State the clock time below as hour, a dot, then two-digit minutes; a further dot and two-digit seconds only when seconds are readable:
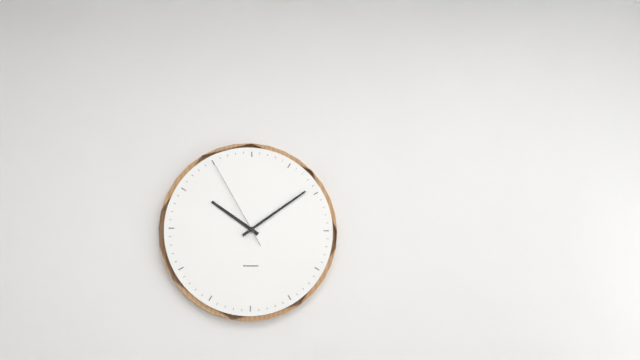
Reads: 10.09.55
